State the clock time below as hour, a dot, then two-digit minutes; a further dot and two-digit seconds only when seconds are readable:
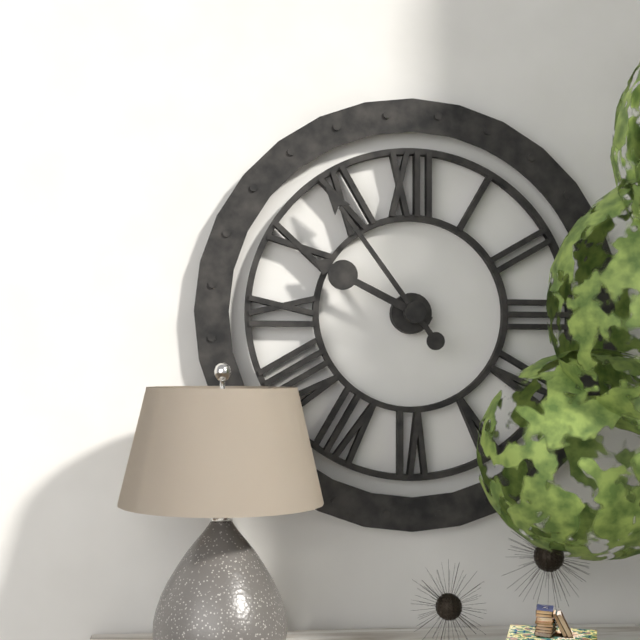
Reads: 9.54
